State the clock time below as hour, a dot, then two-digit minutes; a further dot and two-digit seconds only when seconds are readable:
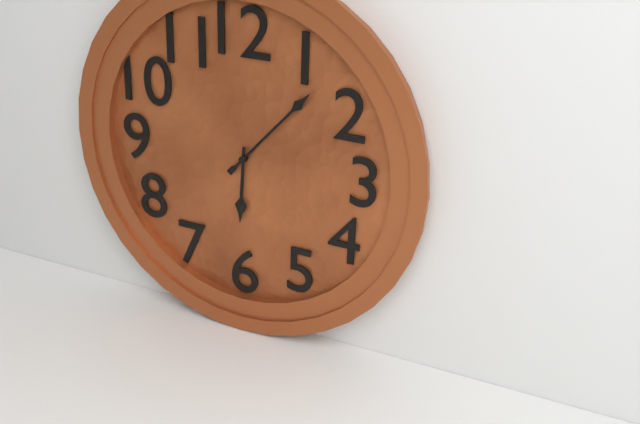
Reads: 6.07
